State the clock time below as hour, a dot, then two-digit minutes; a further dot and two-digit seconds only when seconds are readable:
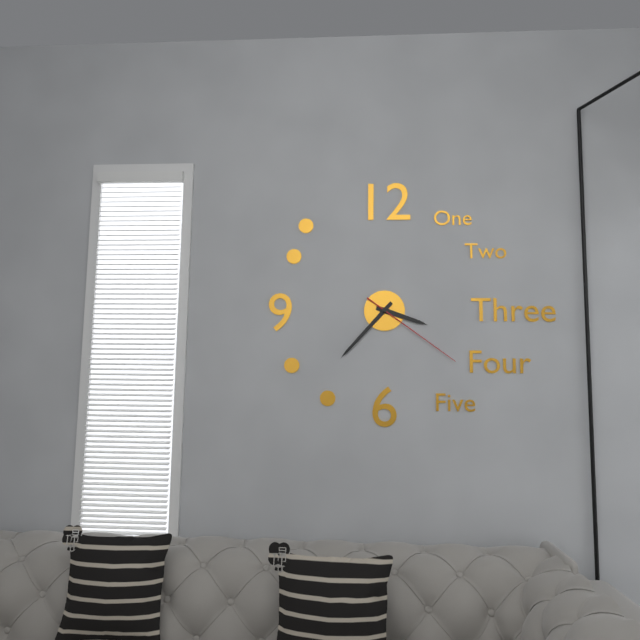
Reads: 3.37.21
